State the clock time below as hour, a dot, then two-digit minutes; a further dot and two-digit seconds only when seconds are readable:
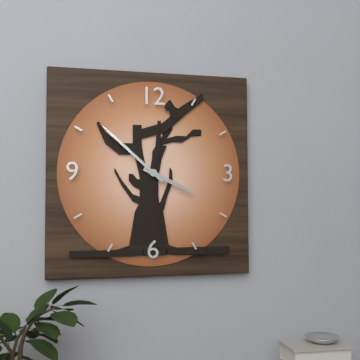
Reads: 3.52
